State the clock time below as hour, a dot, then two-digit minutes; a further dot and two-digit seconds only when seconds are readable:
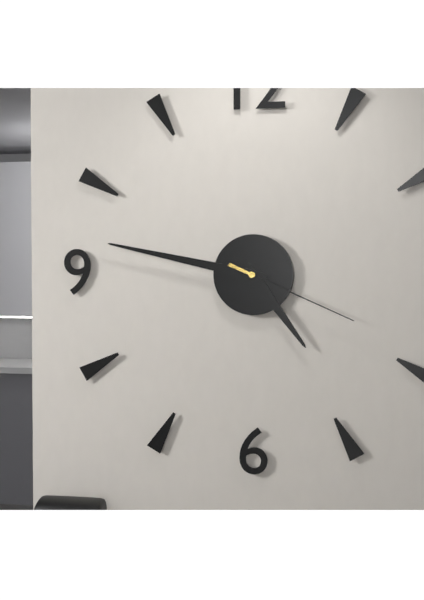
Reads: 4.47.19
